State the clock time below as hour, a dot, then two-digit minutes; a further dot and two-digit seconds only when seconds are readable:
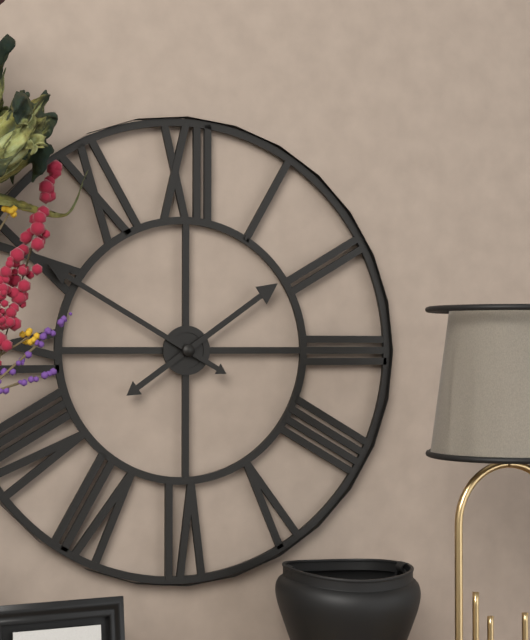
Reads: 1.50
